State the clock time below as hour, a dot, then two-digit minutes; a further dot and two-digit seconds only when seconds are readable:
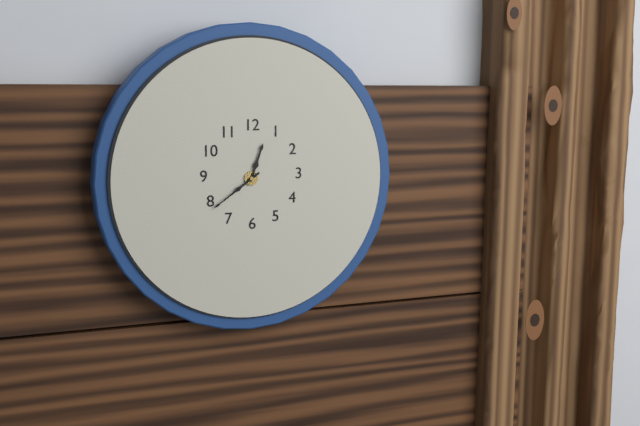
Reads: 12.39
